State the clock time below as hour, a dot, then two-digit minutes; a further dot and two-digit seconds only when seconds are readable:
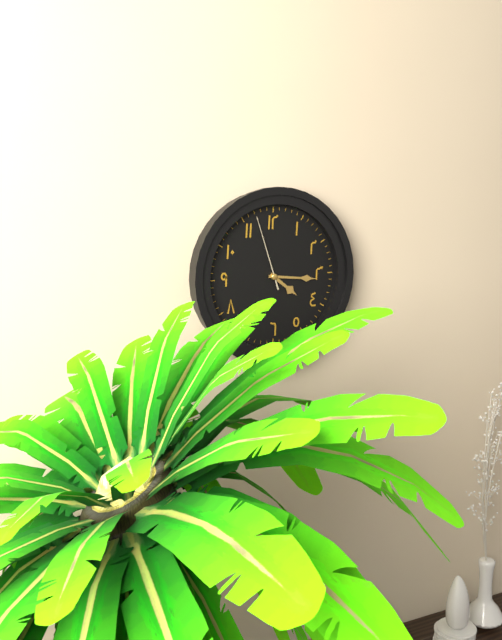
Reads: 4.16.57
